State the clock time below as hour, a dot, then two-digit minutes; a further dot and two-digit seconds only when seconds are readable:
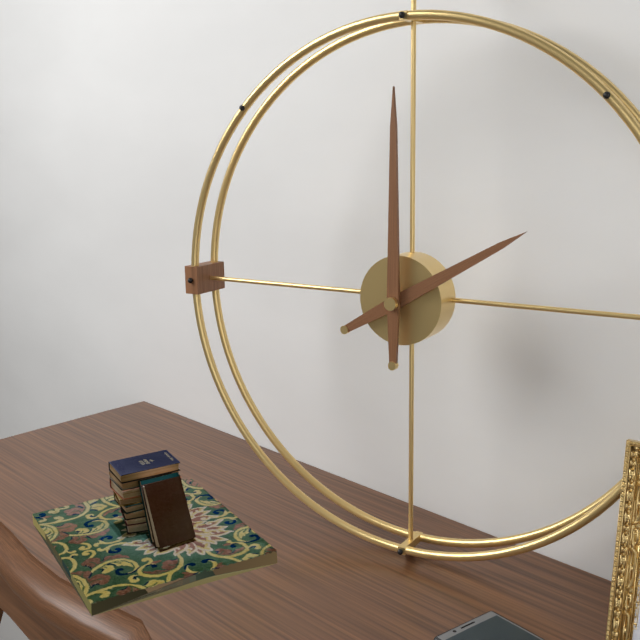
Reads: 2.00
